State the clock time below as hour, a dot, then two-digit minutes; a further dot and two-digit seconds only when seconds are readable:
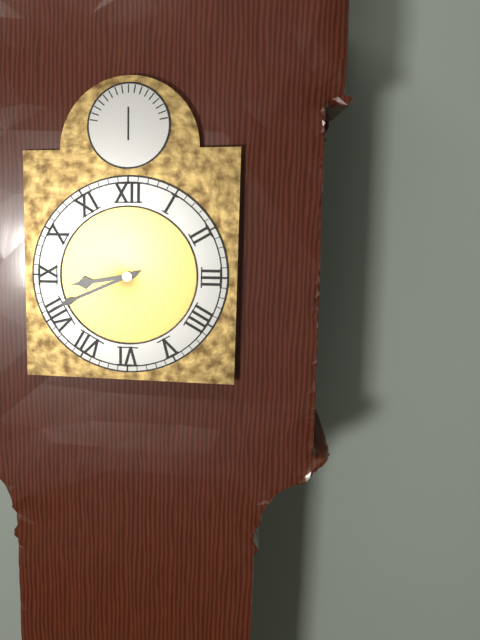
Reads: 8.41
